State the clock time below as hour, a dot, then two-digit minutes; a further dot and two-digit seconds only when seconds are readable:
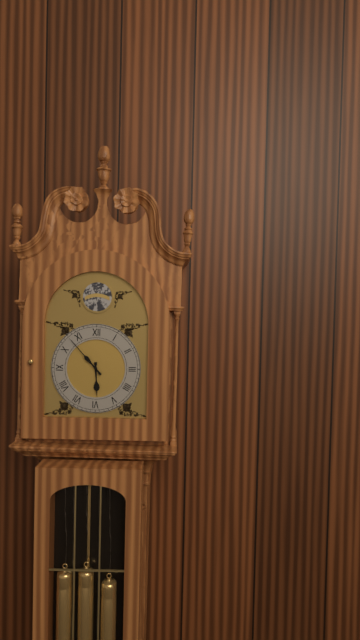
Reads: 5.53
